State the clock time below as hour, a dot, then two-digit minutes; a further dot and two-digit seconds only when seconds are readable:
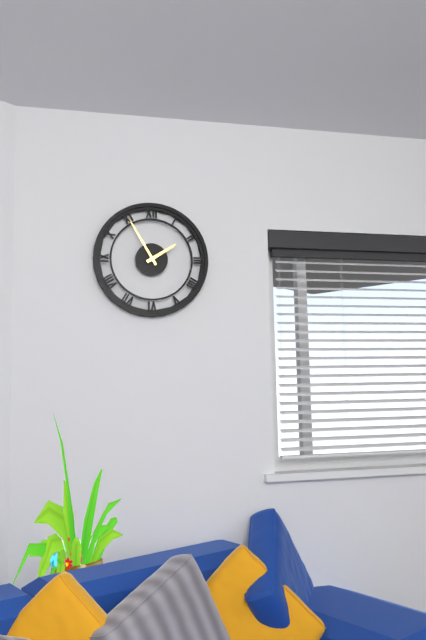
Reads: 1.55
